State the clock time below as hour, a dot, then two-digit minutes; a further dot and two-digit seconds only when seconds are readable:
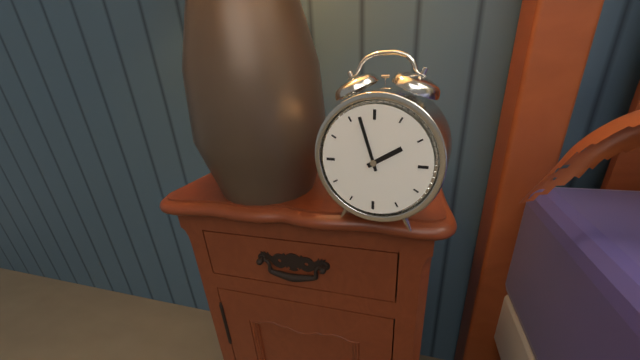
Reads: 1.57
